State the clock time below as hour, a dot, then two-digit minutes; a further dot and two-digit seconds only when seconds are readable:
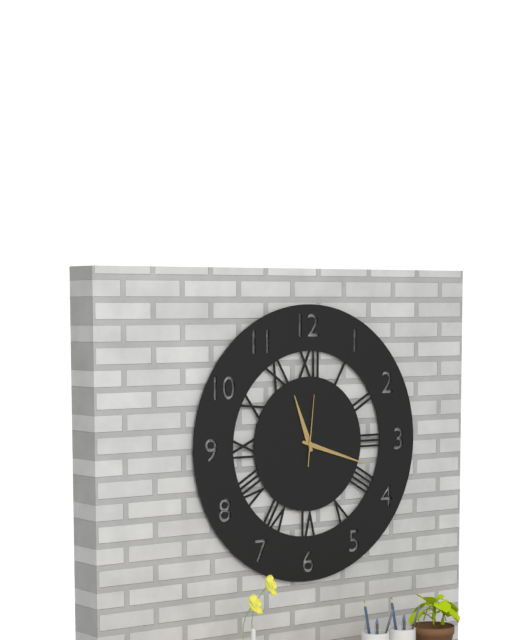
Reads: 11.18.01
